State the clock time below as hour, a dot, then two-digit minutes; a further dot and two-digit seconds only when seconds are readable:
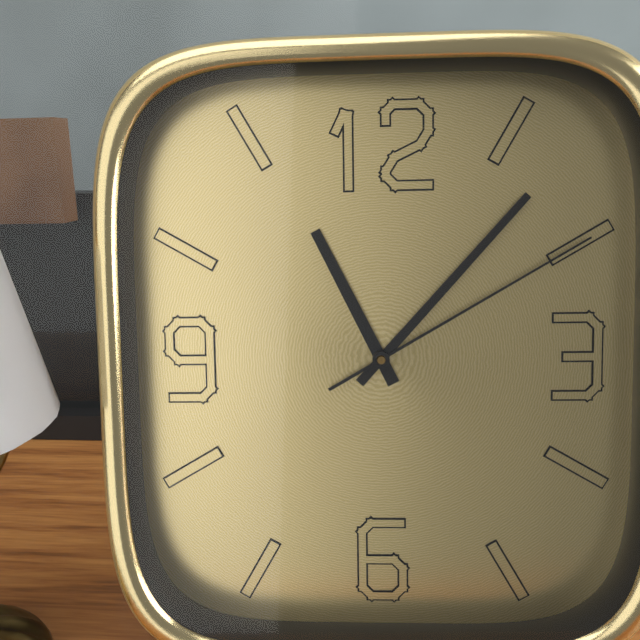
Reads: 11.07.10
